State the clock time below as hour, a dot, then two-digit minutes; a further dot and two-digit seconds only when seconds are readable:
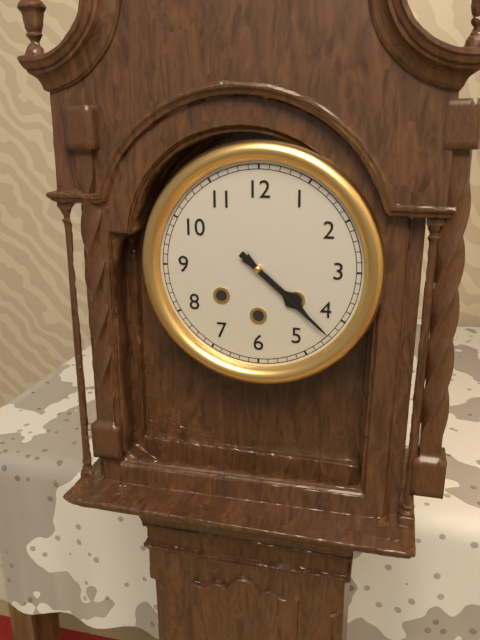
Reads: 4.22
